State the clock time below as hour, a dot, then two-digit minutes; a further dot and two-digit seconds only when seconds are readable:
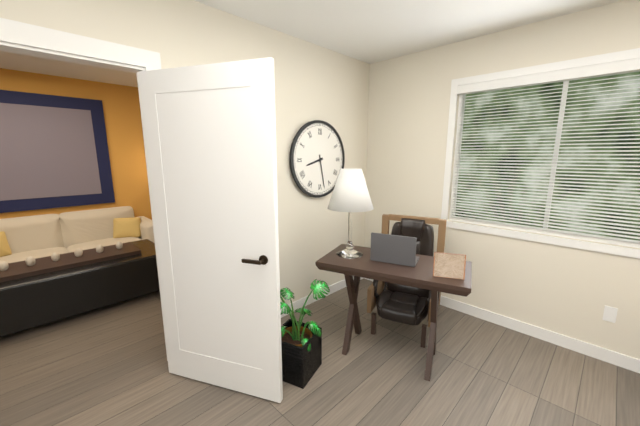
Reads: 8.28
